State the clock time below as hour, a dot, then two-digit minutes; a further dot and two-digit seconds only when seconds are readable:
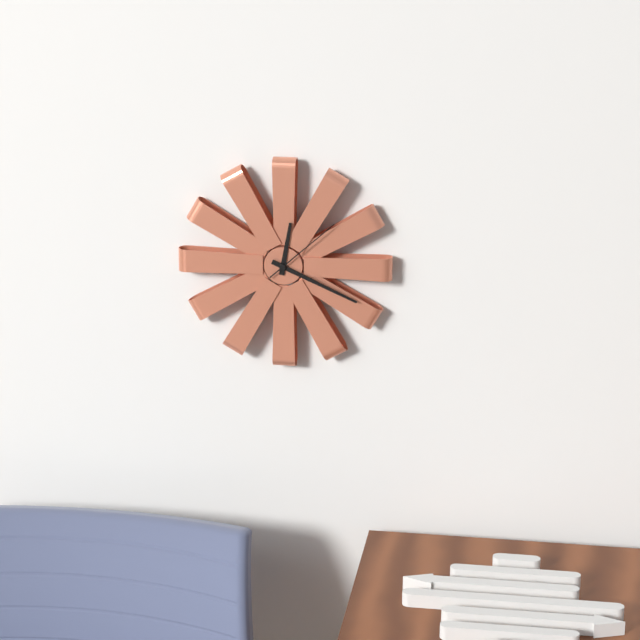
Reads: 12.19.08
